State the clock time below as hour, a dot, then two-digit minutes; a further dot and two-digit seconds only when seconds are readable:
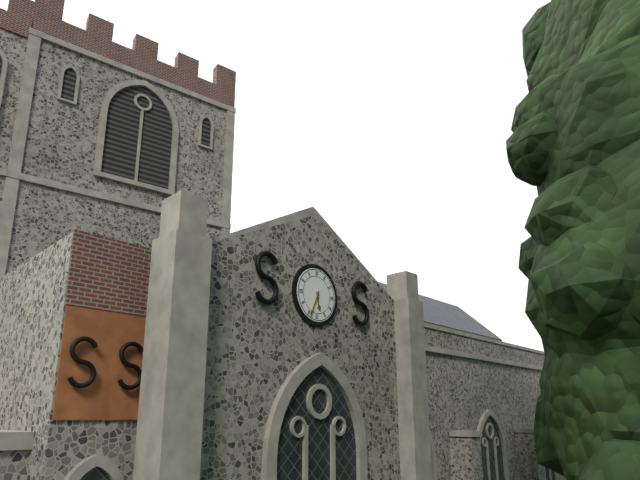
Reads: 5.34
